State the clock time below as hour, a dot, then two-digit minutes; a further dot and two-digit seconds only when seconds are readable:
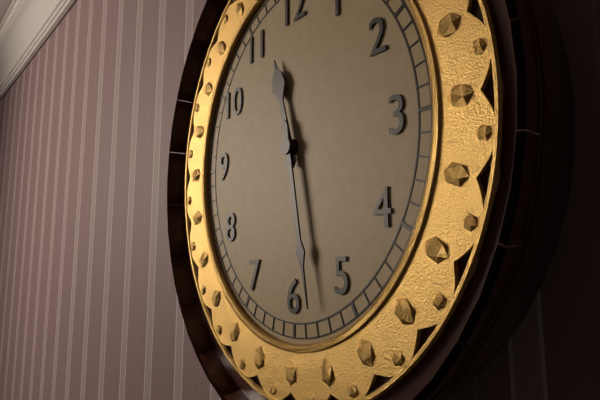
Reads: 11.28
